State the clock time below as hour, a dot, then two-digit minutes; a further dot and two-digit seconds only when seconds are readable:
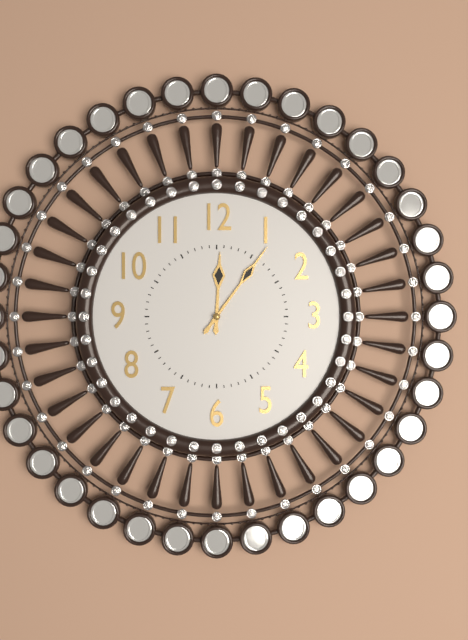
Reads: 12.06
